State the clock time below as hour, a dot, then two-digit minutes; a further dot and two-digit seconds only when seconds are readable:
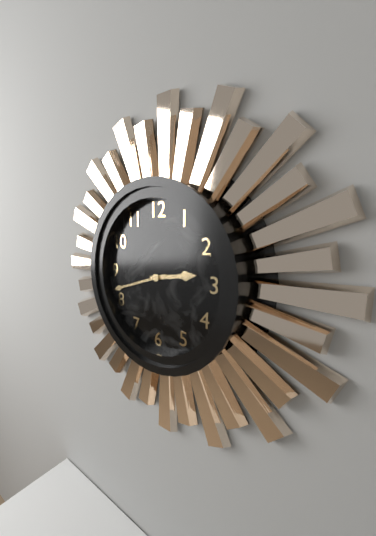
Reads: 2.42
